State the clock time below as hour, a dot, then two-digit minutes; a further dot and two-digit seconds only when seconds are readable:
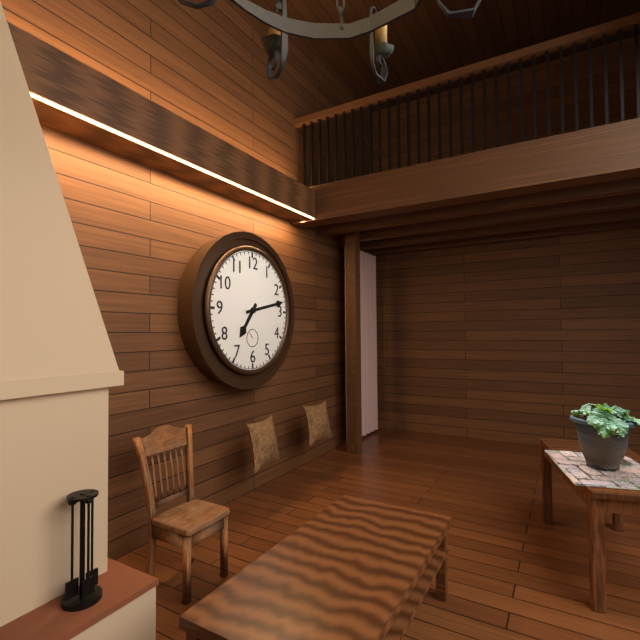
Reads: 7.13
